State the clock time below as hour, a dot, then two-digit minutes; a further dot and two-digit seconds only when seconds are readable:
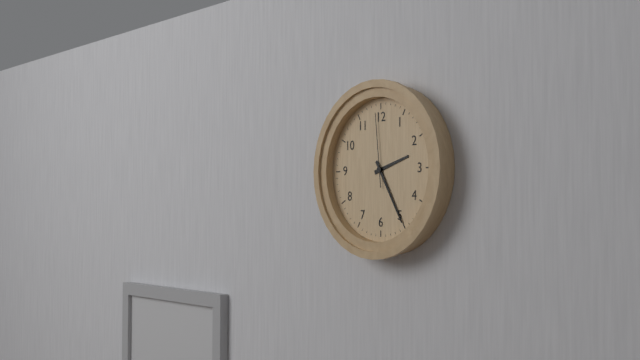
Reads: 2.25.59
